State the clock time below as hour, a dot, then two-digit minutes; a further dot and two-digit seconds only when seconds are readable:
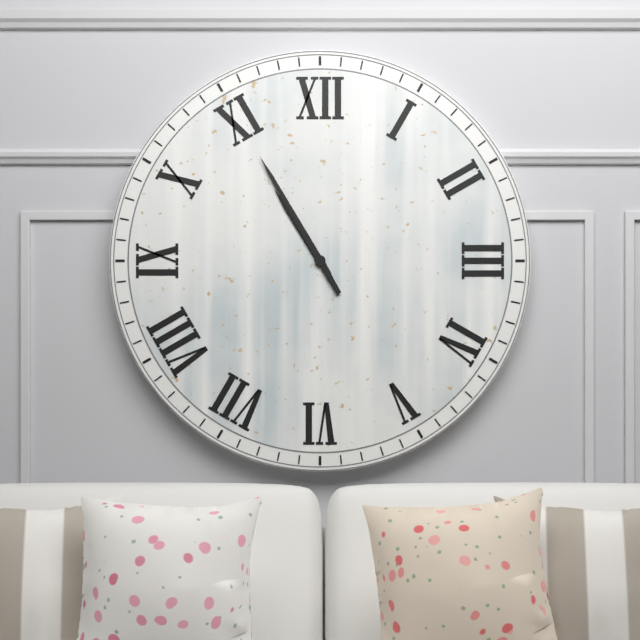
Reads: 10.55
